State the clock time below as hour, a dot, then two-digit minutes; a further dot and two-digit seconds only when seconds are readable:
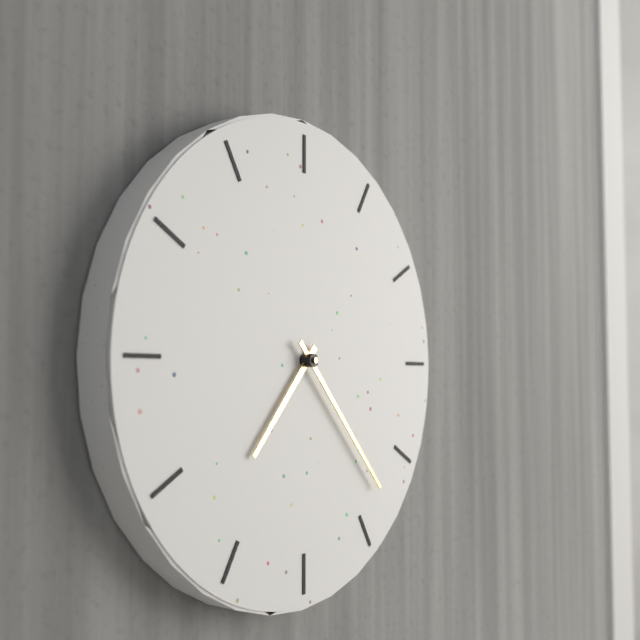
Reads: 7.23
